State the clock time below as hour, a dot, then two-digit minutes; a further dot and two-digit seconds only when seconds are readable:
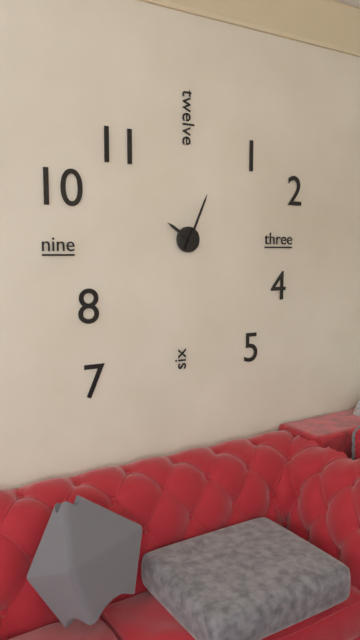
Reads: 10.04
